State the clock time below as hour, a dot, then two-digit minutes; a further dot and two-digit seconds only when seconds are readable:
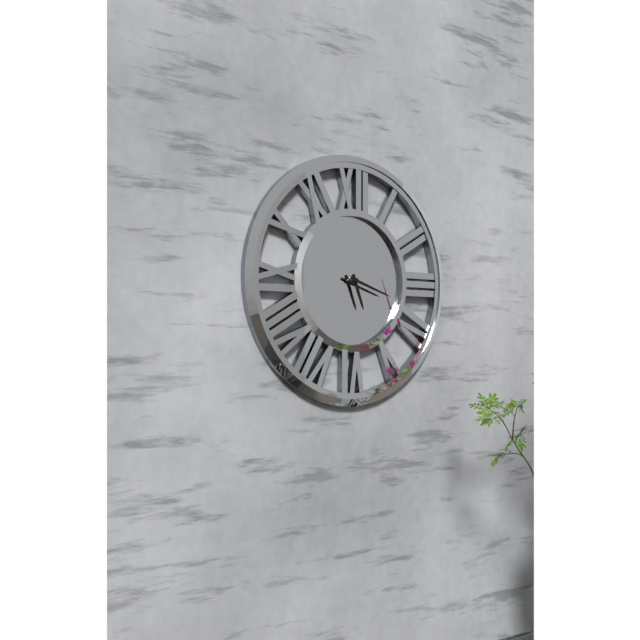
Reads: 5.18
